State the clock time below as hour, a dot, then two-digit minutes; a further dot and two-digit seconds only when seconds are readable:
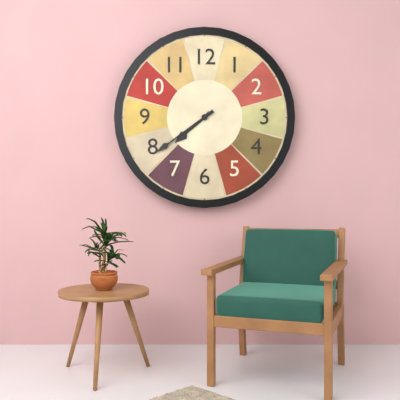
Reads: 7.39
